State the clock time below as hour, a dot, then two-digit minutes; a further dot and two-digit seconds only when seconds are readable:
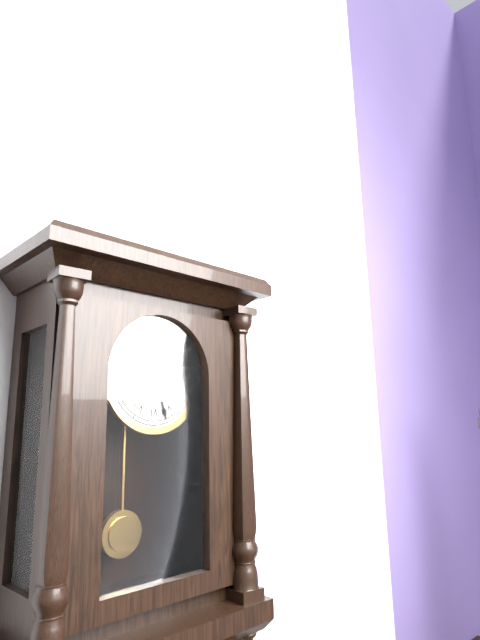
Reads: 3.27
